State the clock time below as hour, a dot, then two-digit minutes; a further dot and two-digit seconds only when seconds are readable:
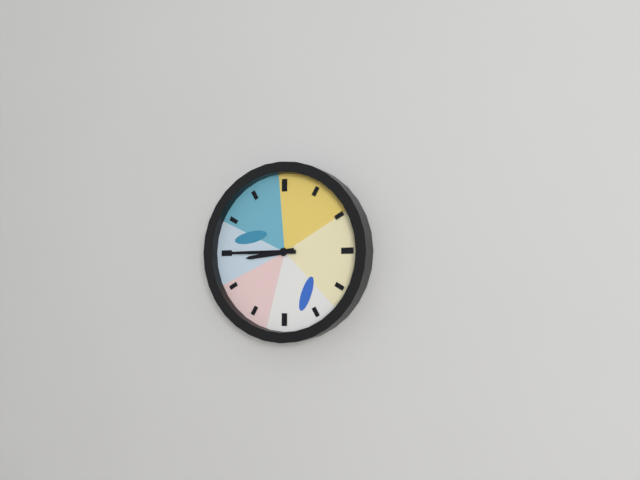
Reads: 8.45
